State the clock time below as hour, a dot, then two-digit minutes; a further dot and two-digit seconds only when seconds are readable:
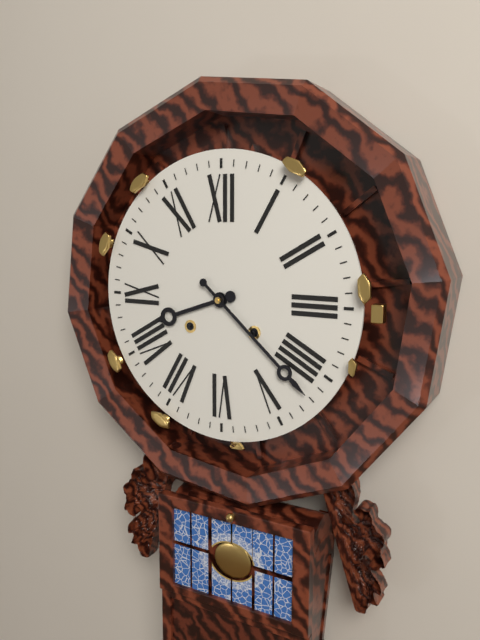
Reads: 8.22
